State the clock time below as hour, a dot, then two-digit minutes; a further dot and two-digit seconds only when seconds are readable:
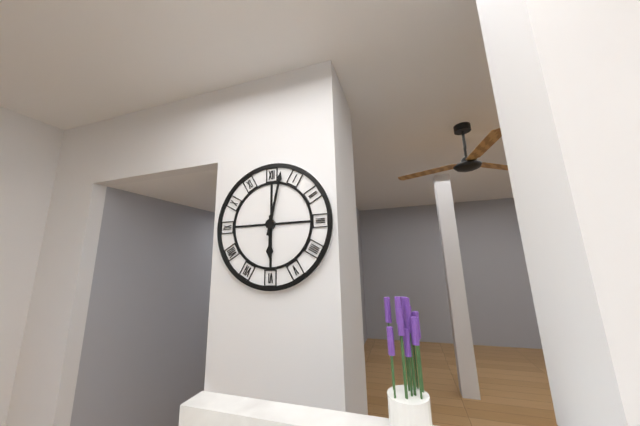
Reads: 6.02
